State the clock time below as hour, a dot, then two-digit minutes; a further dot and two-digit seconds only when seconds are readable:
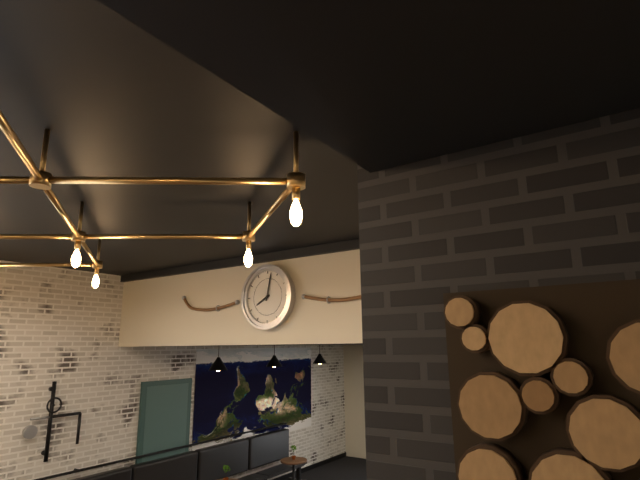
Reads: 8.02
